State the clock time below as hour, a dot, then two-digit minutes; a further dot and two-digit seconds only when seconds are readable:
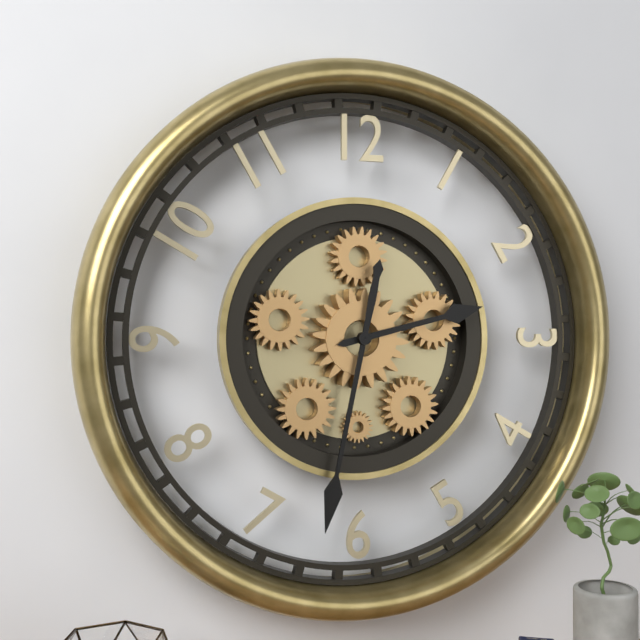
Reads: 2.32
